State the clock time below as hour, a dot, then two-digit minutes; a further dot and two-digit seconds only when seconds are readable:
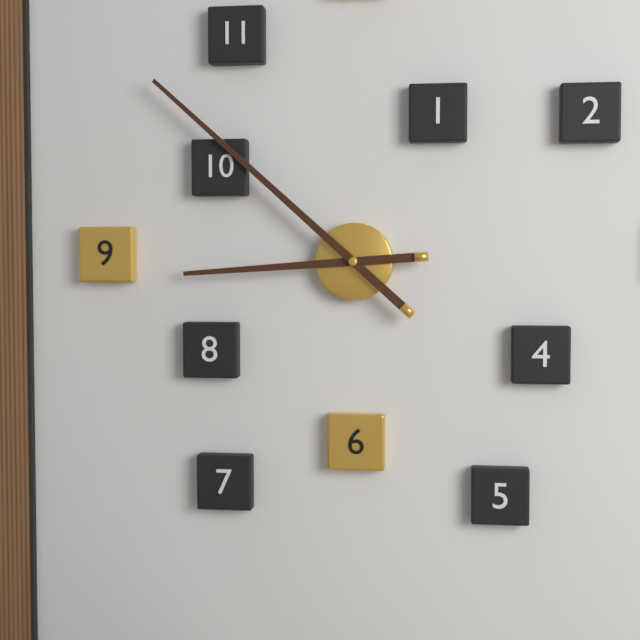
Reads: 8.52
